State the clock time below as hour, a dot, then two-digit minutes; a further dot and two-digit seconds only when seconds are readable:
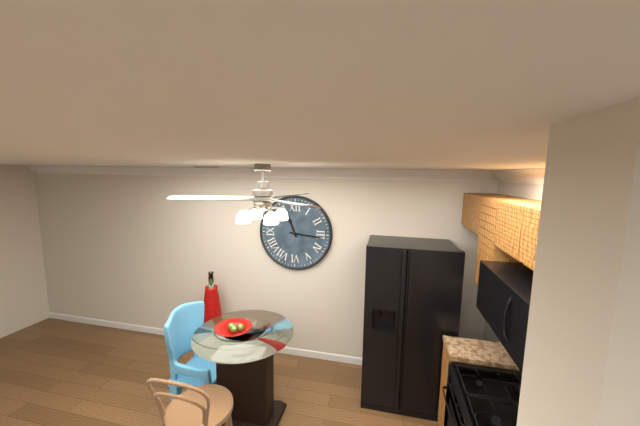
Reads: 11.16
